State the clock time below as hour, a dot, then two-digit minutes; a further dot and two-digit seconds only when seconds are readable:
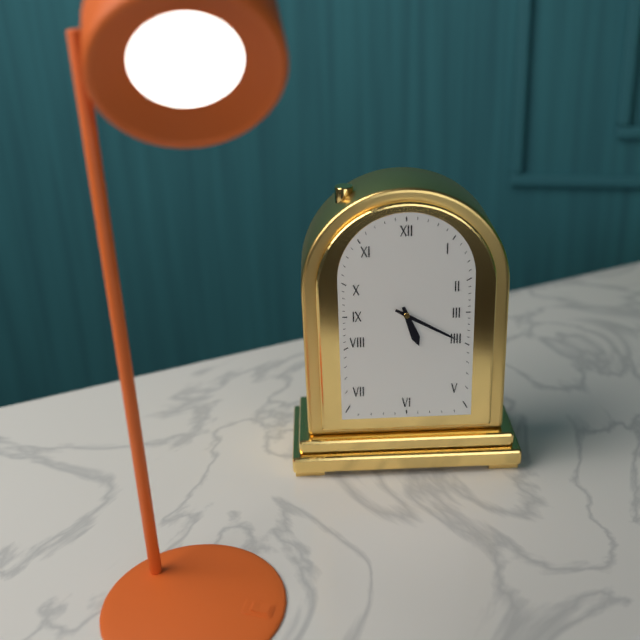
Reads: 5.20
